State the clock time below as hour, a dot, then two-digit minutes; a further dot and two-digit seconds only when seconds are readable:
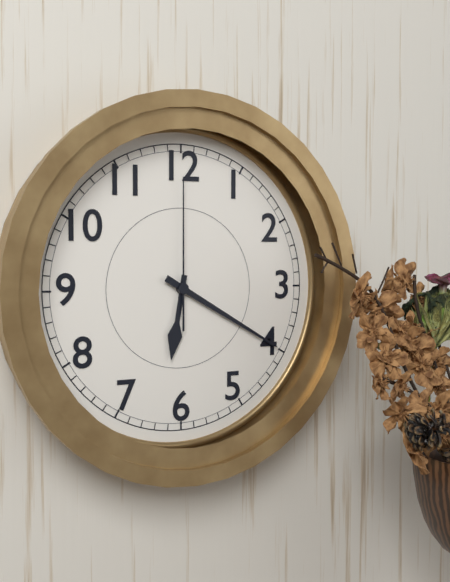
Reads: 6.20.00
